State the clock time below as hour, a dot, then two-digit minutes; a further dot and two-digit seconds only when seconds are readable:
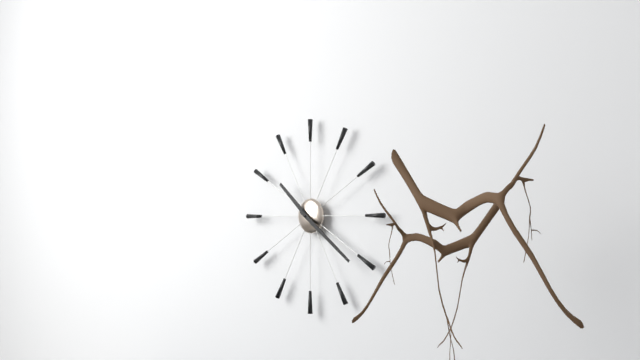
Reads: 10.21
